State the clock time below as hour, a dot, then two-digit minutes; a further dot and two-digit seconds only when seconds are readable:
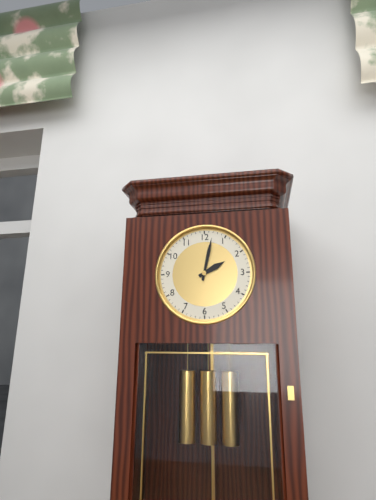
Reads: 2.02
